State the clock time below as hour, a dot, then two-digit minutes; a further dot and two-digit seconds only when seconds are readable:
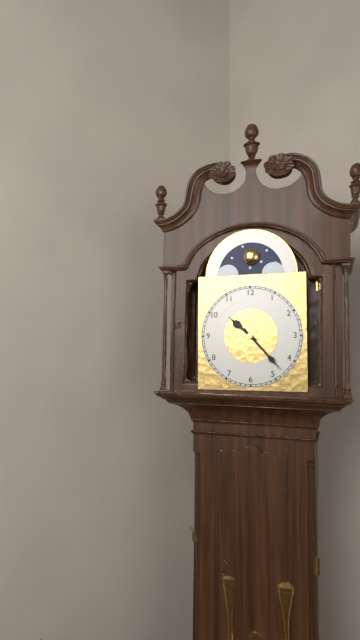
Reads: 10.23
